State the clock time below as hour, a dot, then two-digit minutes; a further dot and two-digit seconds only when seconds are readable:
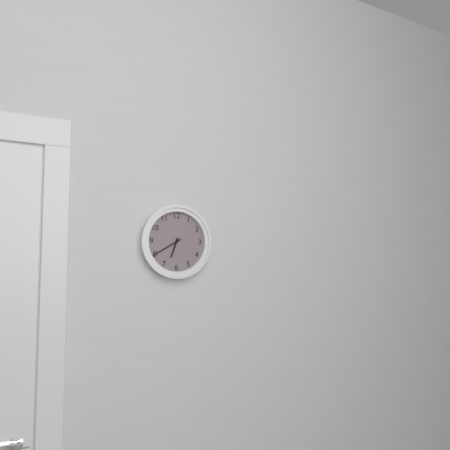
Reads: 6.40
